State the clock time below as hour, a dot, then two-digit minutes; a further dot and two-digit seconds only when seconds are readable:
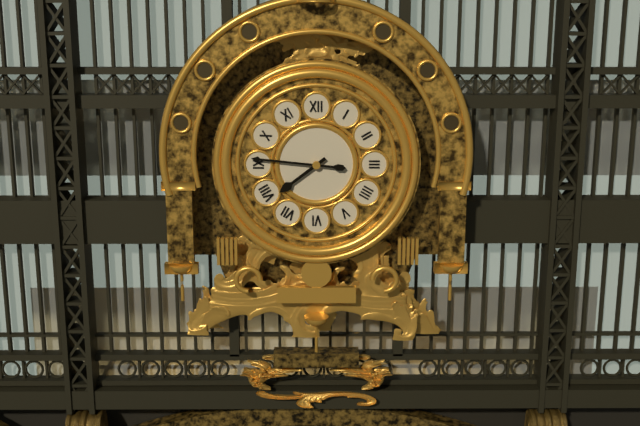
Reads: 7.46
